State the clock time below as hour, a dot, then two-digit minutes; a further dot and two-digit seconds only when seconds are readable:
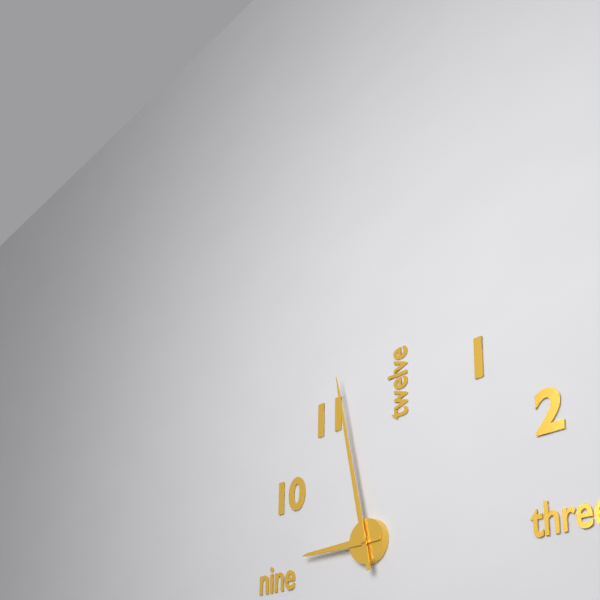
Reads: 8.58
